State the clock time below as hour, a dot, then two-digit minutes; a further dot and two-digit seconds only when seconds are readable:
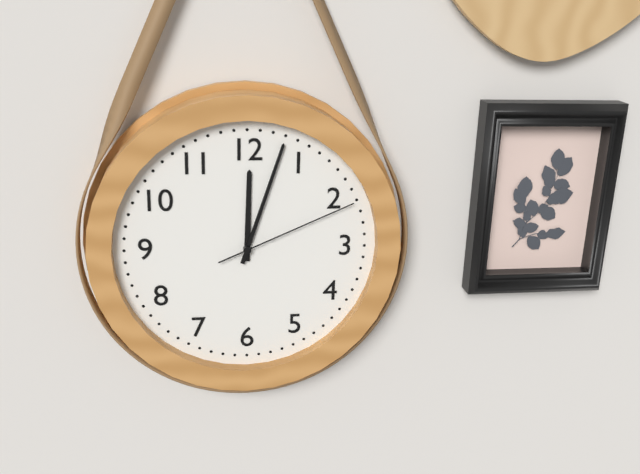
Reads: 12.03.11
